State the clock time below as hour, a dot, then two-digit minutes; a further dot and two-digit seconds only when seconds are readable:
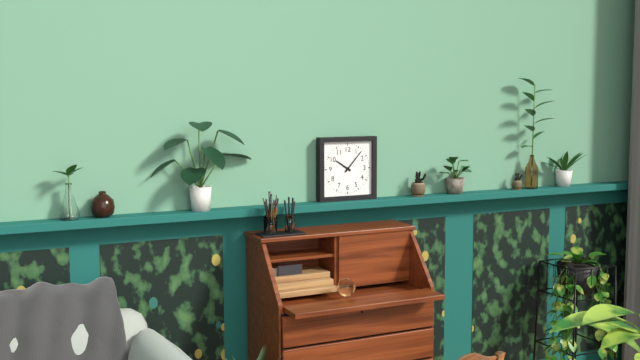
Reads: 10.07
